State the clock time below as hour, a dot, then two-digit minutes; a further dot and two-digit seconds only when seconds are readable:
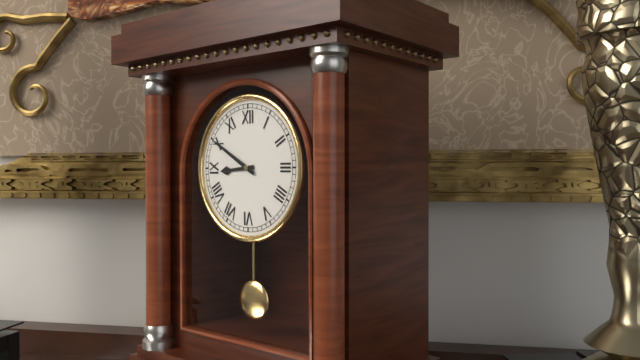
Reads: 8.50
